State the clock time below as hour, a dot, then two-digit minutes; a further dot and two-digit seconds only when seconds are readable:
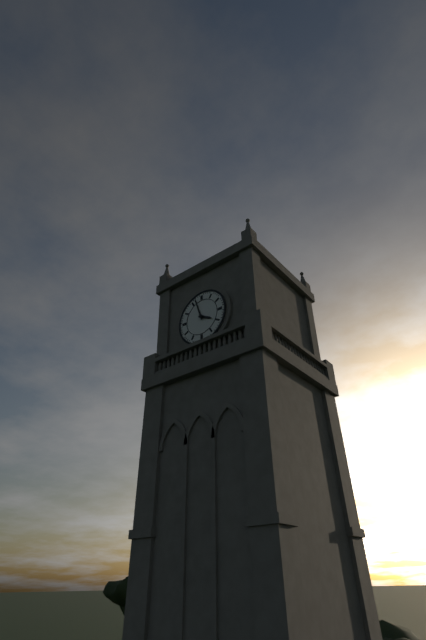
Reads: 3.57
